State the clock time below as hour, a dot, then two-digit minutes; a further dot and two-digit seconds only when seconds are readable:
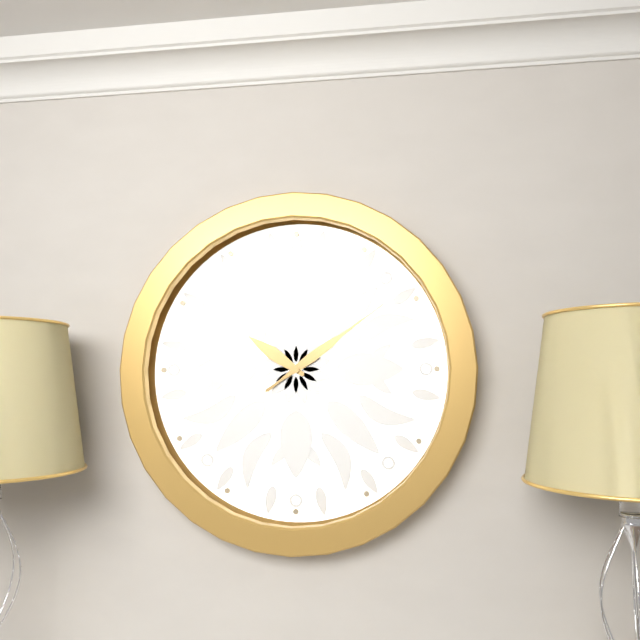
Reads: 10.09
